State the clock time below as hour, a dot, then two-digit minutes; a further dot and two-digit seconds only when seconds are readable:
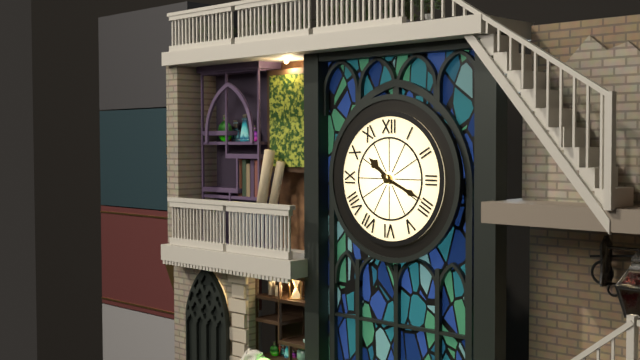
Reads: 10.19
